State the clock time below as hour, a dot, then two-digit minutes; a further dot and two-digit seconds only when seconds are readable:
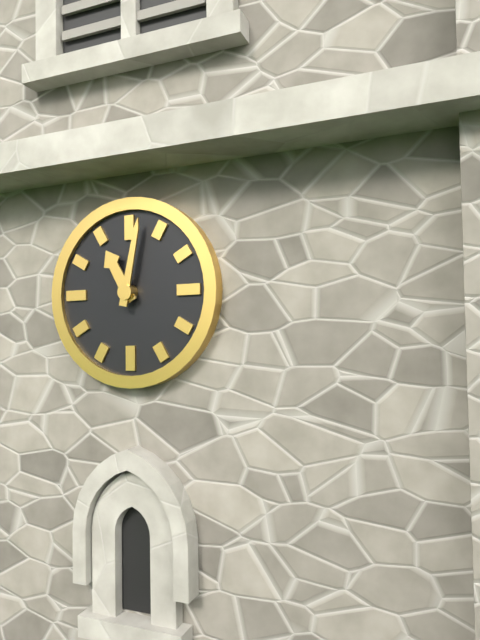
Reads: 11.02
